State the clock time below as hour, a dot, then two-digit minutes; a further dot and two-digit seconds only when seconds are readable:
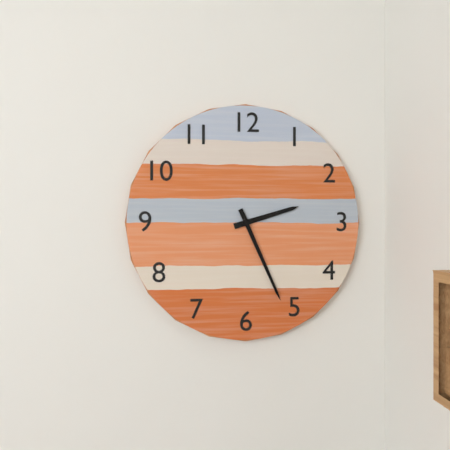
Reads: 2.26
